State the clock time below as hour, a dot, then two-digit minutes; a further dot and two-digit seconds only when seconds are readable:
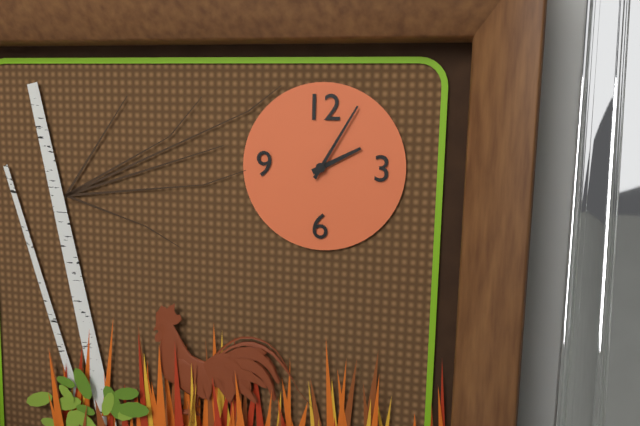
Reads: 2.05
